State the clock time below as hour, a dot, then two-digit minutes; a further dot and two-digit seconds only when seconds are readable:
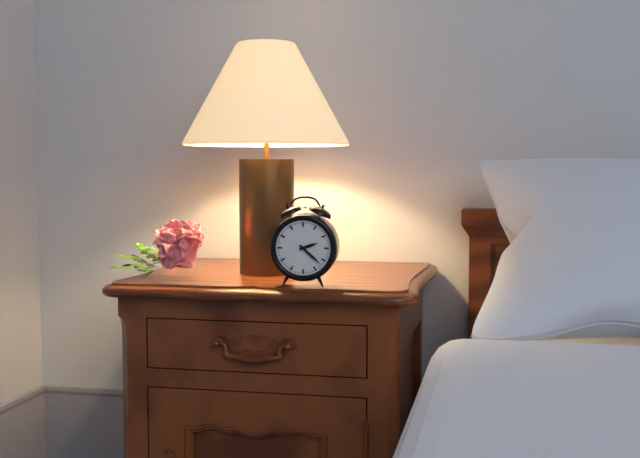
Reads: 2.22
